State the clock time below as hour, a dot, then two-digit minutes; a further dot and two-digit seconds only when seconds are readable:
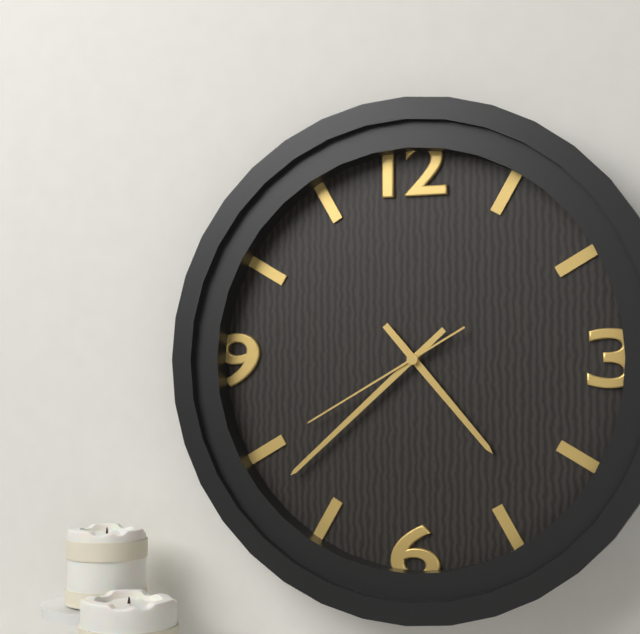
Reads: 4.38.40
